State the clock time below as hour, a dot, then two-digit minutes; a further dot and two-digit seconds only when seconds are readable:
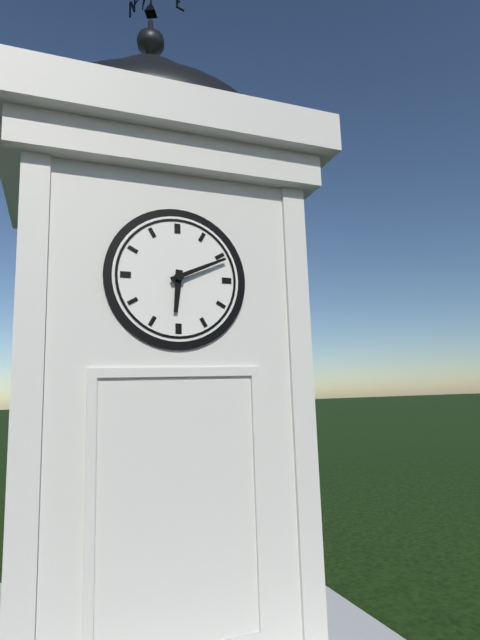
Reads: 6.11
